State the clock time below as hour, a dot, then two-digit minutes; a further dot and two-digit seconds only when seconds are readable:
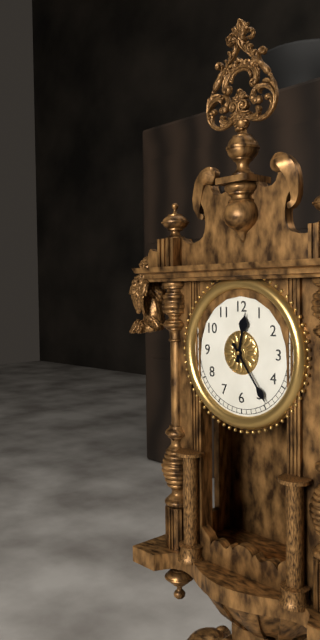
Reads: 12.24
